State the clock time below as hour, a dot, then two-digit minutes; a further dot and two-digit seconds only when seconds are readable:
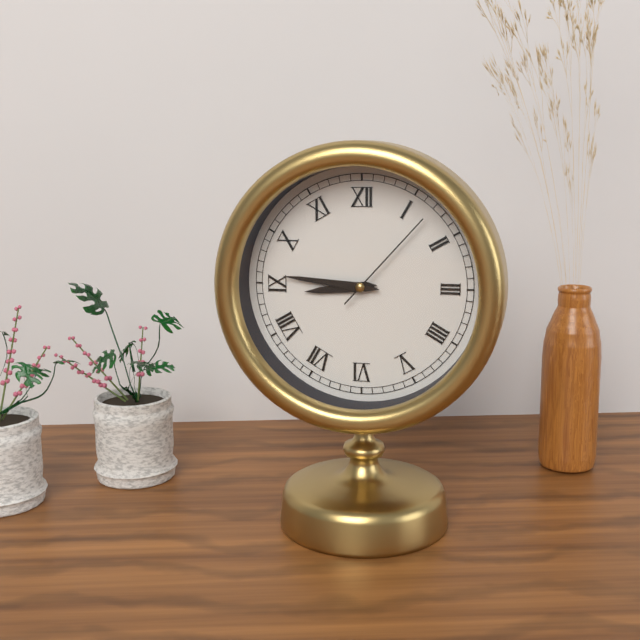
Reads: 8.46.07
